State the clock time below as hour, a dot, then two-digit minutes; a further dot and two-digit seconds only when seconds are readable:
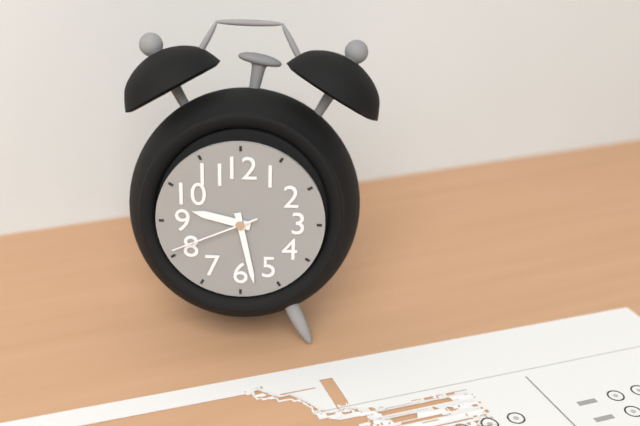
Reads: 9.28.41
